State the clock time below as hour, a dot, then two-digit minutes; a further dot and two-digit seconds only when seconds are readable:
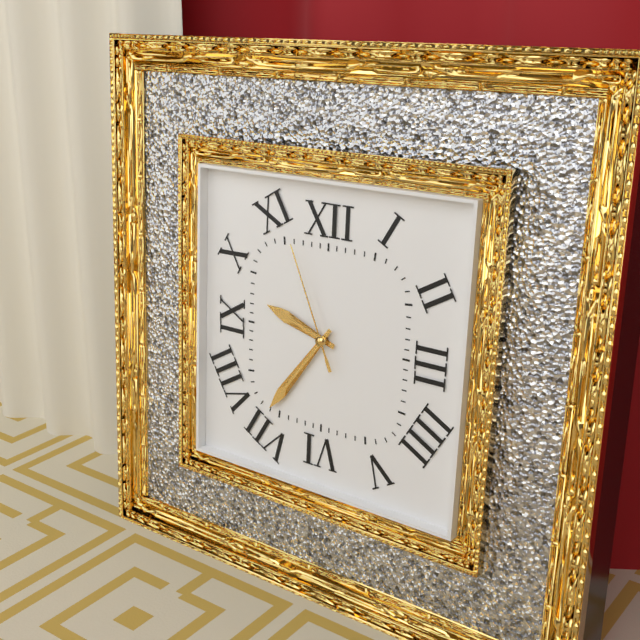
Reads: 9.36.56
